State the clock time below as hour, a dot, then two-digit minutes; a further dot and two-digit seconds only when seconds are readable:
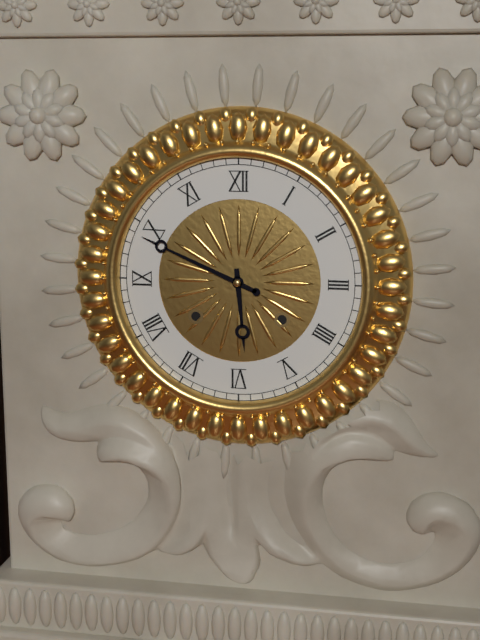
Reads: 5.49
